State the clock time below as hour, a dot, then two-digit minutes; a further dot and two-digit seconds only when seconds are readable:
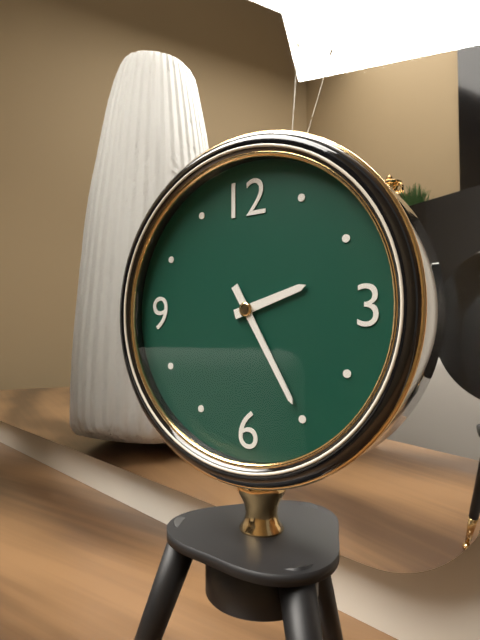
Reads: 2.25
